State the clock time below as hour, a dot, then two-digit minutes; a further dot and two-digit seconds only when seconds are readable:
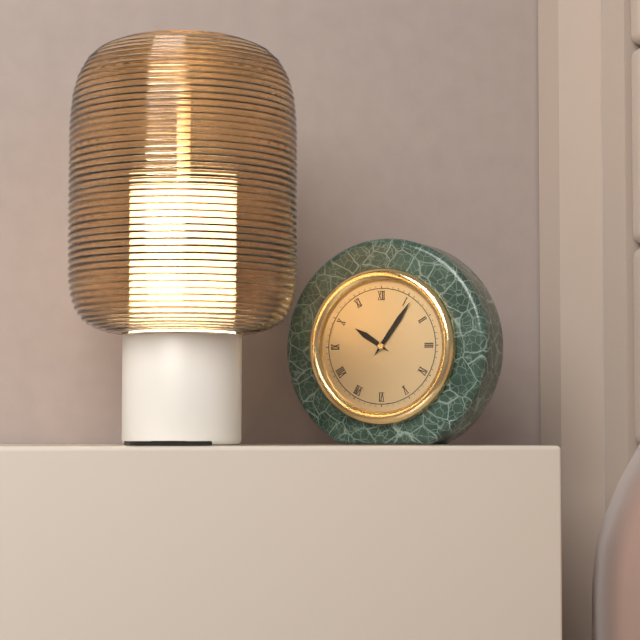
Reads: 10.06
